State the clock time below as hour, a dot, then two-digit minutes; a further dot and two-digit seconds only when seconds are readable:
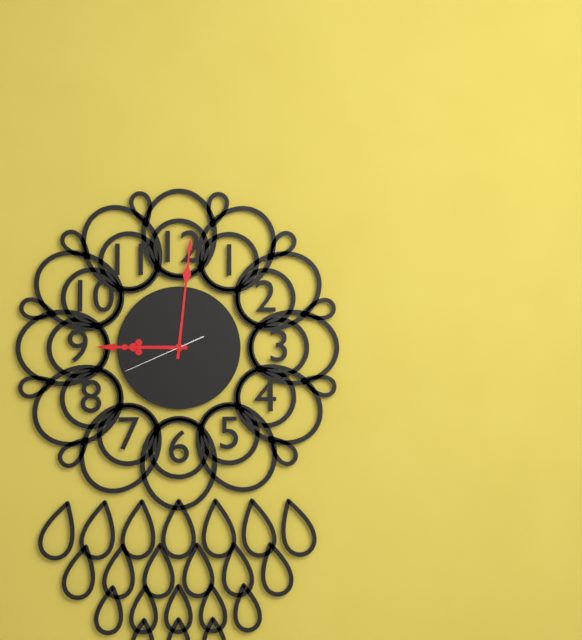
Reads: 9.01.41
